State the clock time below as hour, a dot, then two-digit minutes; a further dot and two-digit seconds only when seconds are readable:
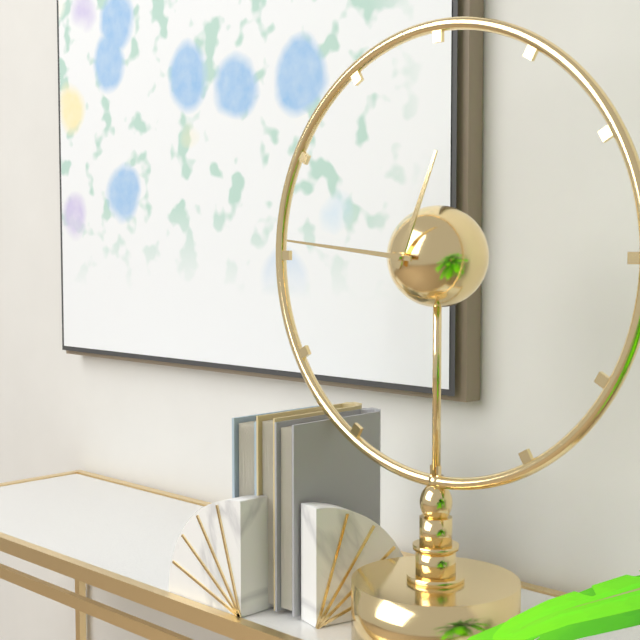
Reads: 12.46
